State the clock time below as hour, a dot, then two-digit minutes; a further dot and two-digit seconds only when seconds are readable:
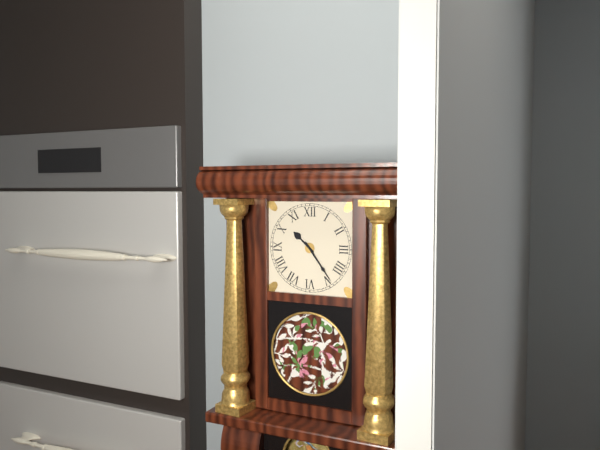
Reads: 10.24
